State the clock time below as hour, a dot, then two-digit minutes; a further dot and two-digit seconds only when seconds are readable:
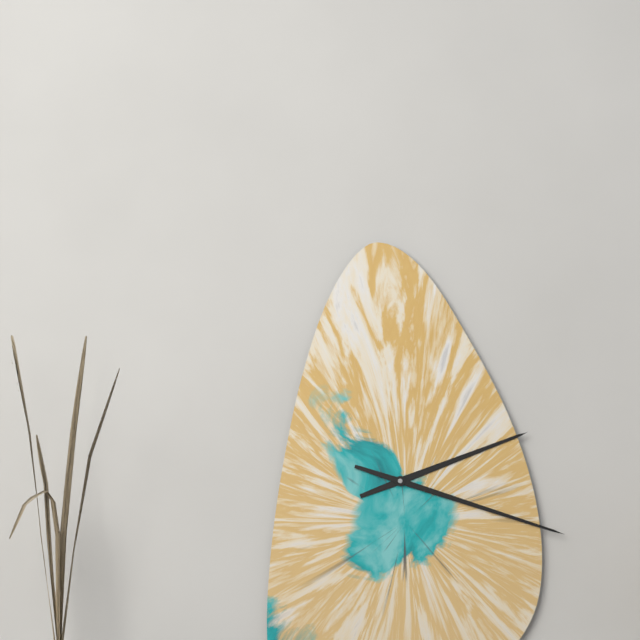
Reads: 2.18
